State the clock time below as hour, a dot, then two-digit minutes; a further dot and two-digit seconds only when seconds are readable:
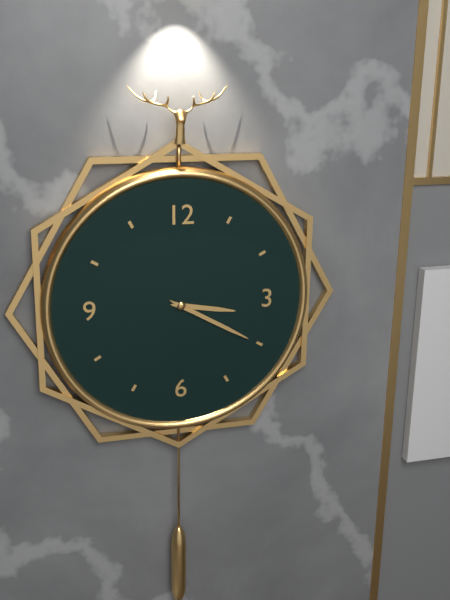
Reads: 3.20
